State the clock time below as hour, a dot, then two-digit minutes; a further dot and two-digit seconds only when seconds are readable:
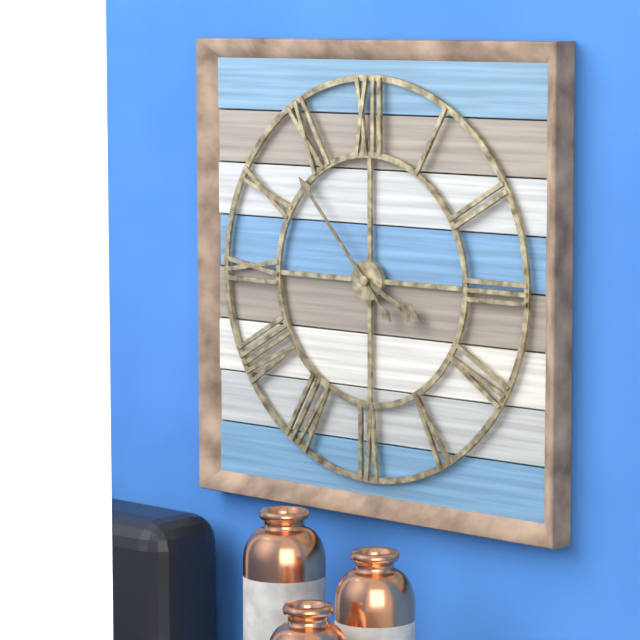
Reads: 3.53
